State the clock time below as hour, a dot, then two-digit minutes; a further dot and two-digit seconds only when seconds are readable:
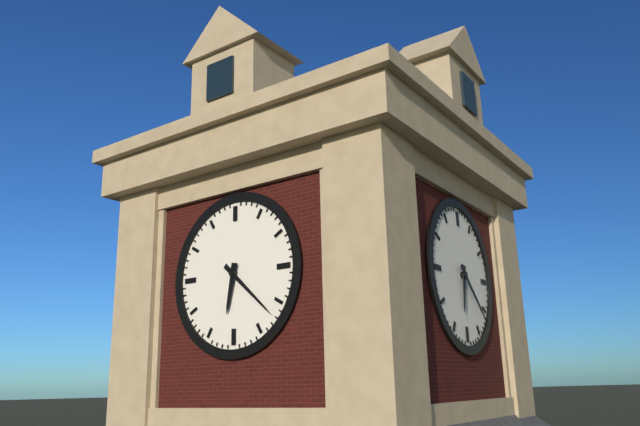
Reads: 6.22
